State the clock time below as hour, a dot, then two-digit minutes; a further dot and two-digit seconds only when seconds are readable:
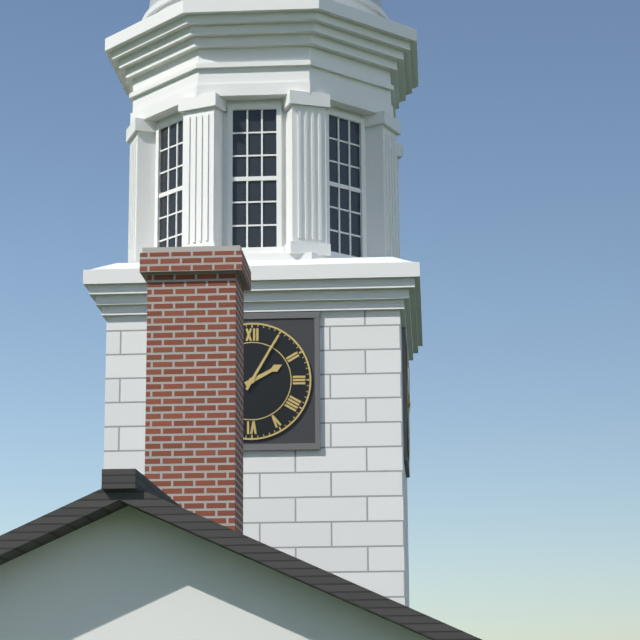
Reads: 2.05
